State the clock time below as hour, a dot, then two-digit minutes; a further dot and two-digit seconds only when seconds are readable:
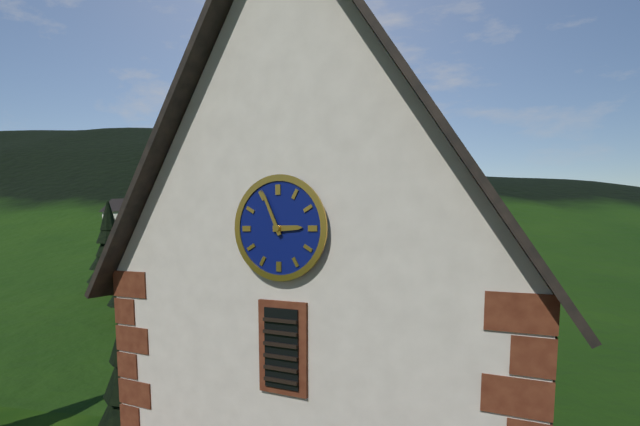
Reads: 2.56
